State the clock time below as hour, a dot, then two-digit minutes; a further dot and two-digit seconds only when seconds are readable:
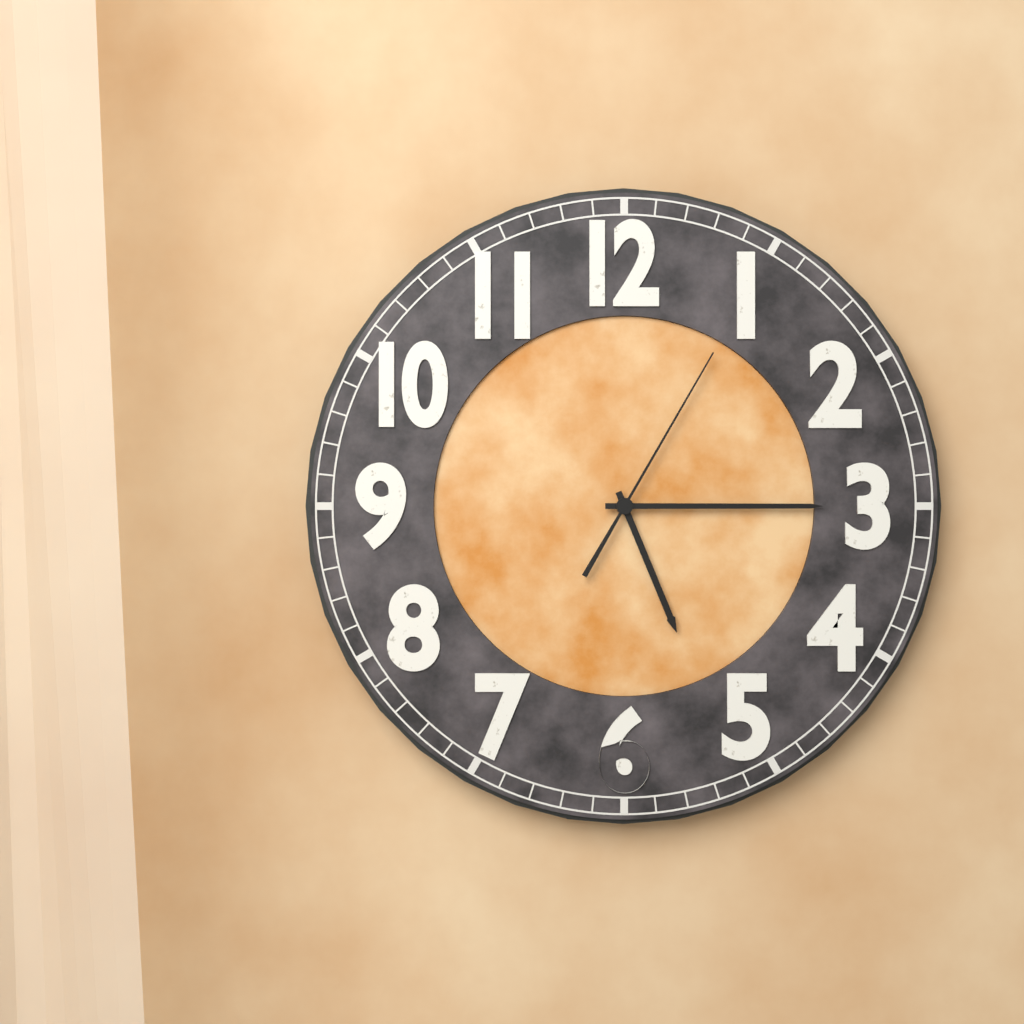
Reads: 5.15.05
